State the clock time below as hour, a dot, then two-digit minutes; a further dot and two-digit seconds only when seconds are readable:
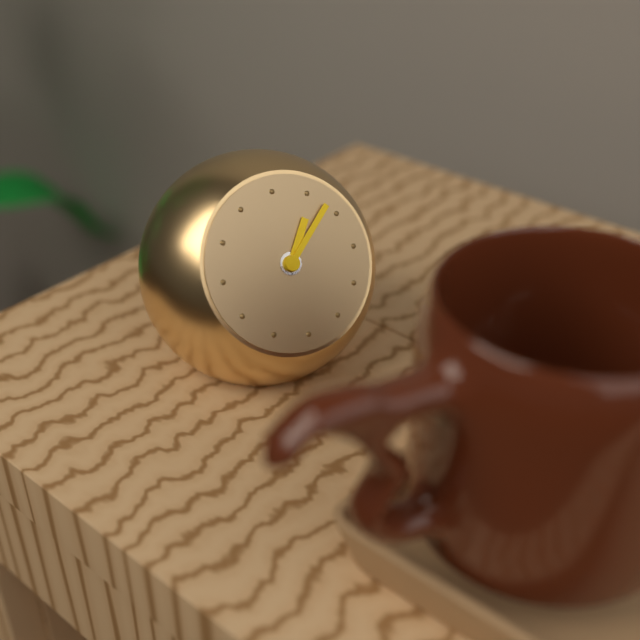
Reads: 1.08
